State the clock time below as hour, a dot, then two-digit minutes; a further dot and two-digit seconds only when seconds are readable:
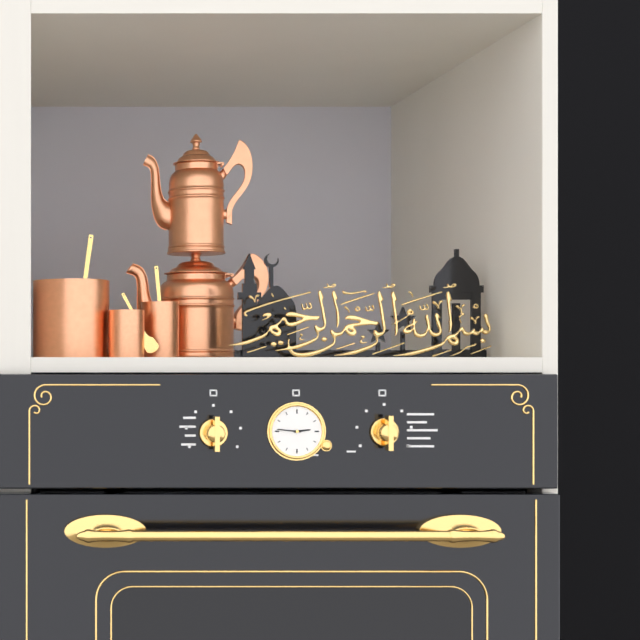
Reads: 2.46
